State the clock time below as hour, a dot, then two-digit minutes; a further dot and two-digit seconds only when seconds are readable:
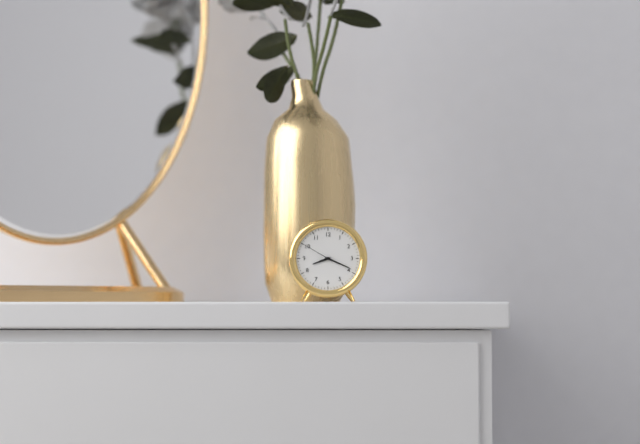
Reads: 8.19
